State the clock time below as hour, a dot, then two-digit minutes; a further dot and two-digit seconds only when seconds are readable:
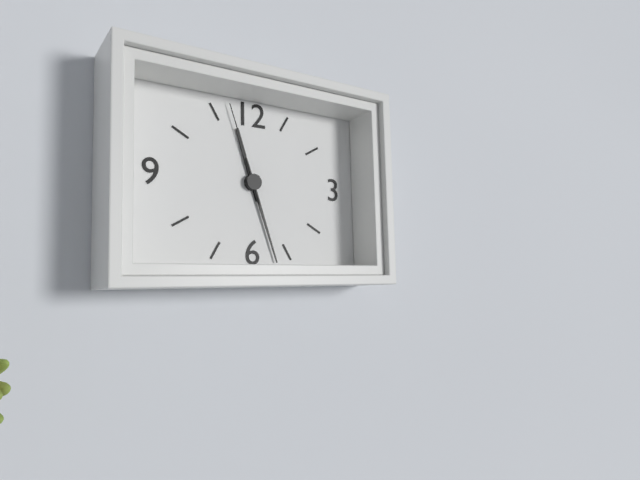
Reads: 11.27.57
